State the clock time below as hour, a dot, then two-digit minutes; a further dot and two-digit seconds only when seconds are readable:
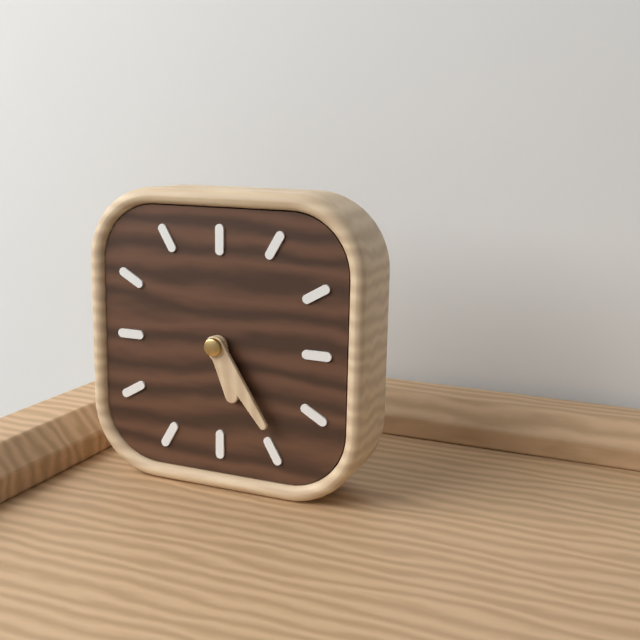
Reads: 5.24
